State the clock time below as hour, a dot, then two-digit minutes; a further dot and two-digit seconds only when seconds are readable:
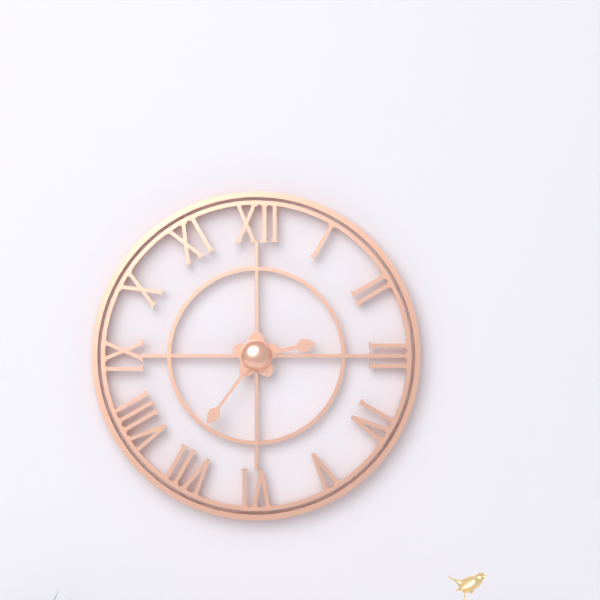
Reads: 2.36
